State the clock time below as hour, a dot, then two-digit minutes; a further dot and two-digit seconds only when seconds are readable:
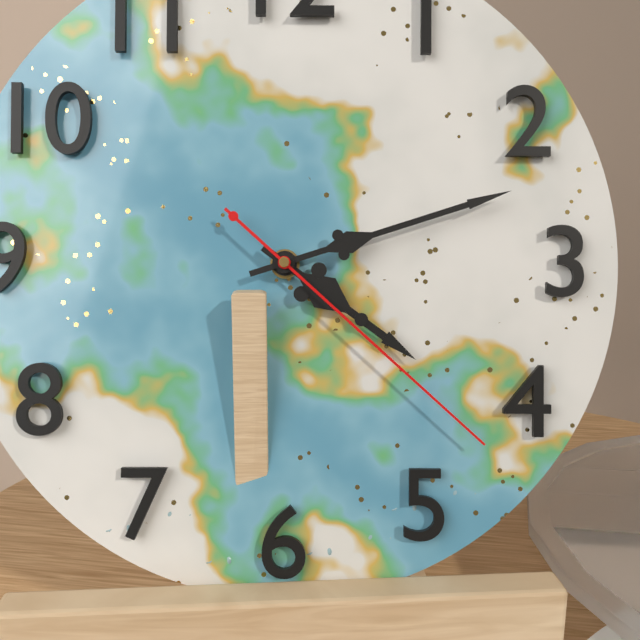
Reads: 4.12.22
